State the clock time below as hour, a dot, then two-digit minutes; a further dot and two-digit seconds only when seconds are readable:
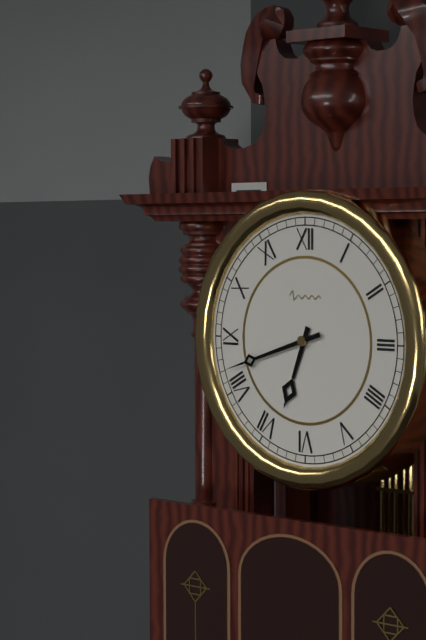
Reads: 6.42
